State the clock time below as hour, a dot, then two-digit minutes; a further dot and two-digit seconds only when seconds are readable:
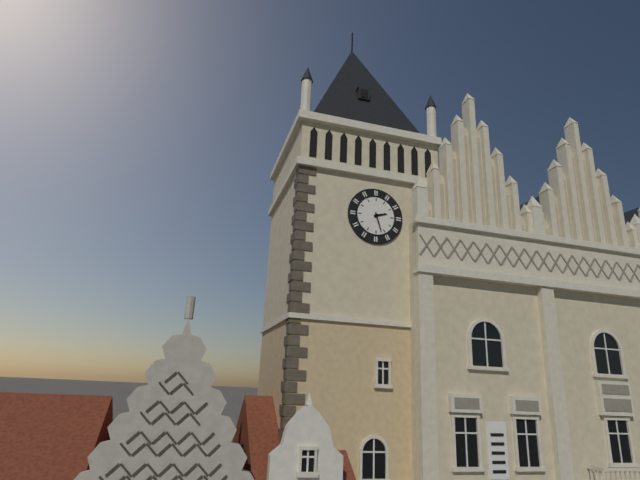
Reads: 2.27
